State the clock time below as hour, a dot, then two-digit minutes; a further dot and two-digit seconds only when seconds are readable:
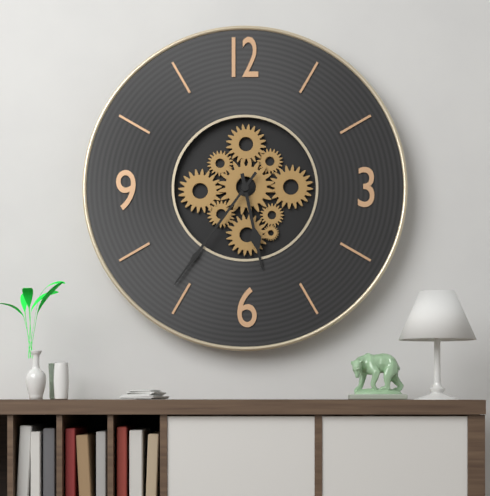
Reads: 5.36
